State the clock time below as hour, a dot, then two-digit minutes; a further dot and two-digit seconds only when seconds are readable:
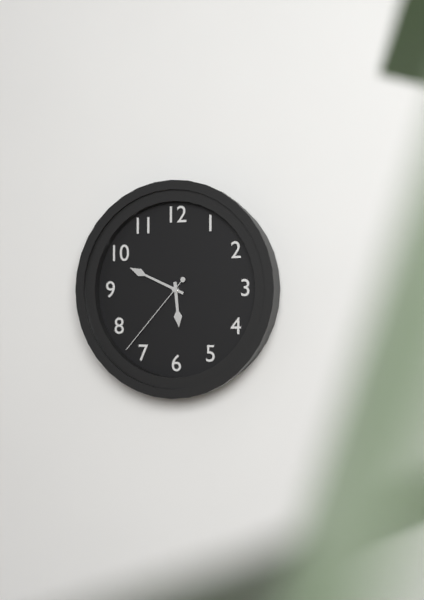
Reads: 5.49.37
